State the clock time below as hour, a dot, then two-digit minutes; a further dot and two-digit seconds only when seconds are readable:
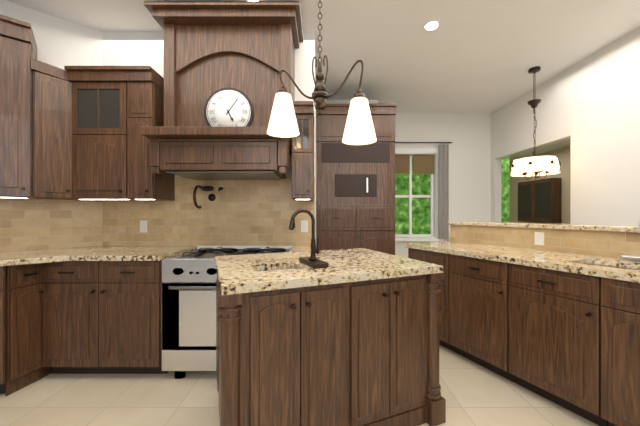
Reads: 5.06
